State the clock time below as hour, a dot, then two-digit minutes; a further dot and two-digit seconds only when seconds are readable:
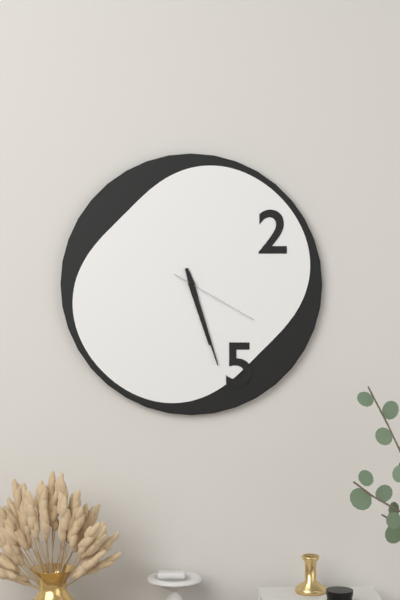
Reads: 5.27.20
